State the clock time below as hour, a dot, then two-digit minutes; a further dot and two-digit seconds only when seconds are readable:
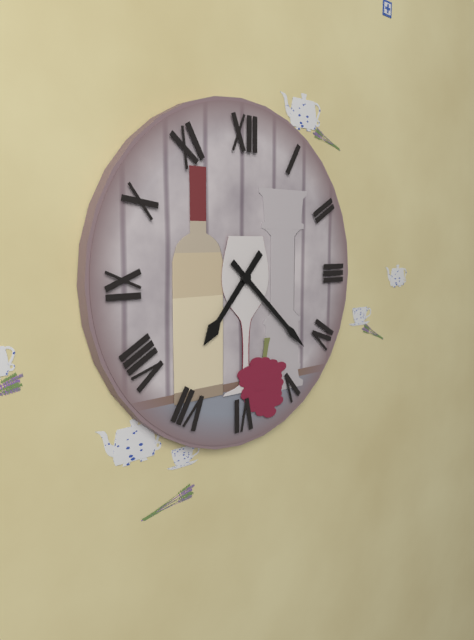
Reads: 7.22
